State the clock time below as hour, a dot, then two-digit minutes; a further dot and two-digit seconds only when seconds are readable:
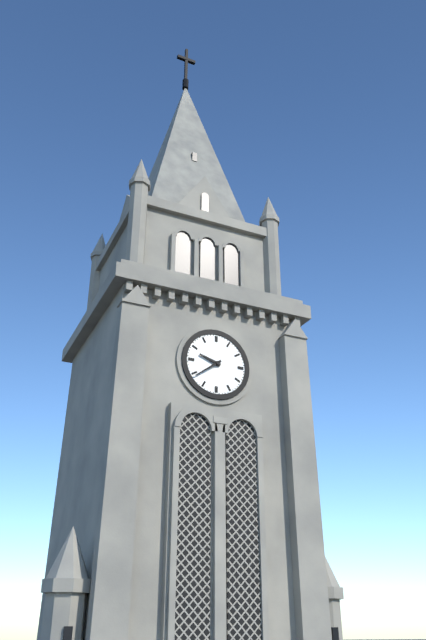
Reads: 9.39
